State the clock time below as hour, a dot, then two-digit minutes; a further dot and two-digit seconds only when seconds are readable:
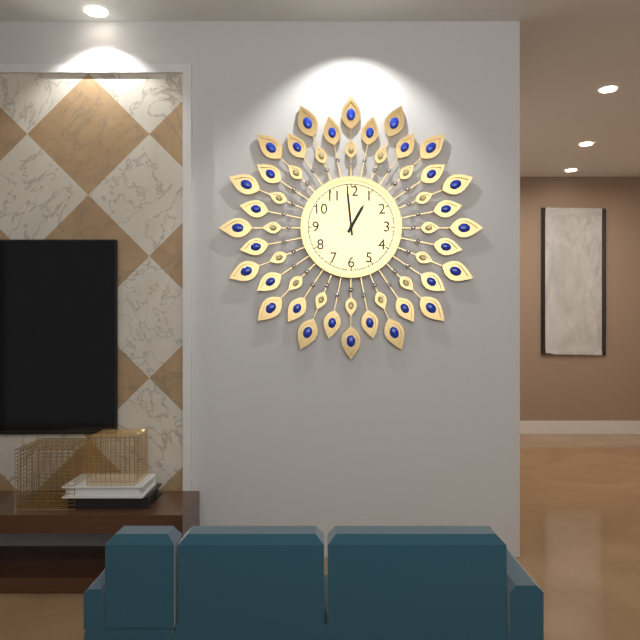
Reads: 12.59
